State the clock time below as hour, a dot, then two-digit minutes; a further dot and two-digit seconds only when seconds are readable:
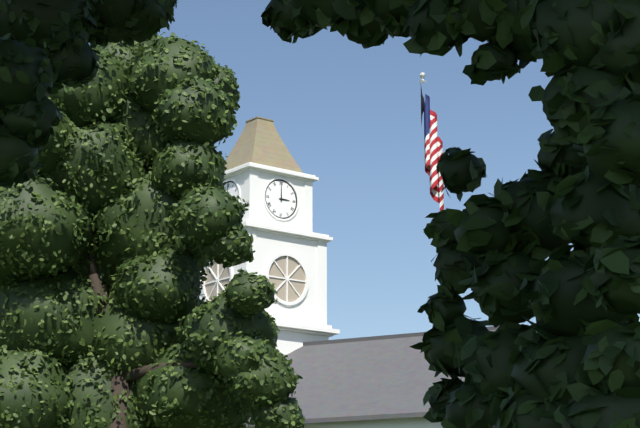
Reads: 3.00
